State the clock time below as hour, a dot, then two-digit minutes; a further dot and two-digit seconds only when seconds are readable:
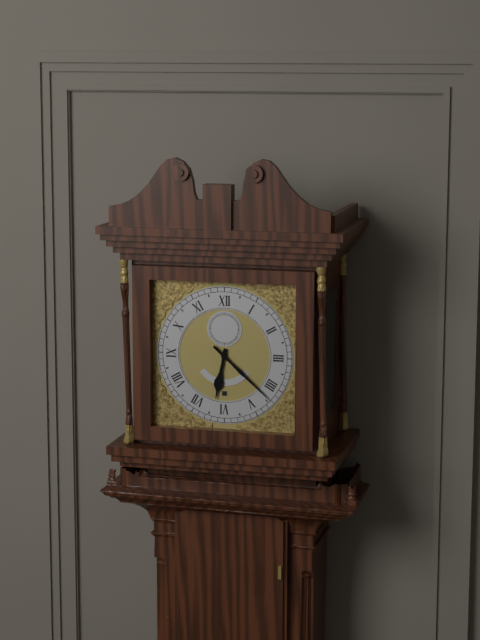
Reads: 6.22
